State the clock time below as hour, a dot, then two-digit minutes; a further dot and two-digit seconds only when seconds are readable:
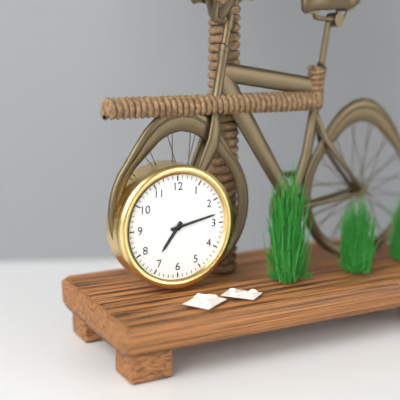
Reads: 7.13
